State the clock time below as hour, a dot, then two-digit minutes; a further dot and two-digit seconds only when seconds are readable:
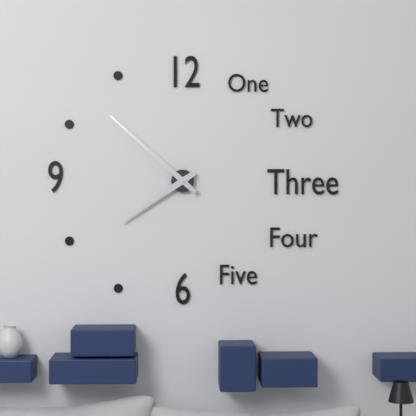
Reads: 7.52
